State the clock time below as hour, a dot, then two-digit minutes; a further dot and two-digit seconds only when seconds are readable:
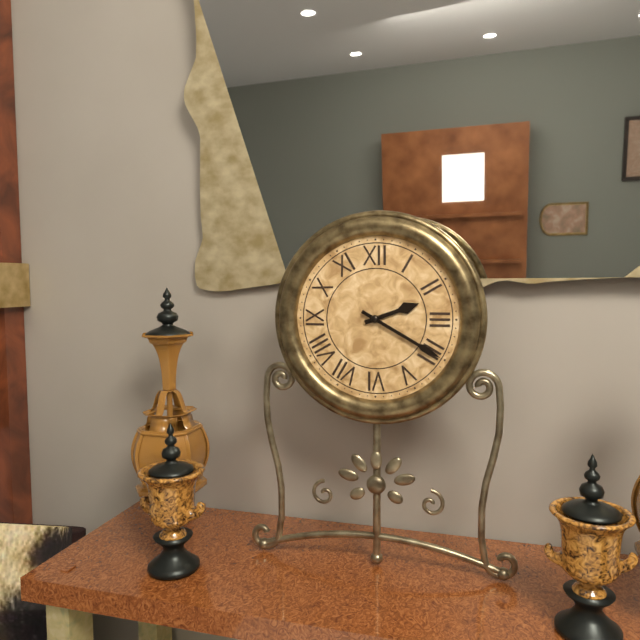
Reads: 2.20
